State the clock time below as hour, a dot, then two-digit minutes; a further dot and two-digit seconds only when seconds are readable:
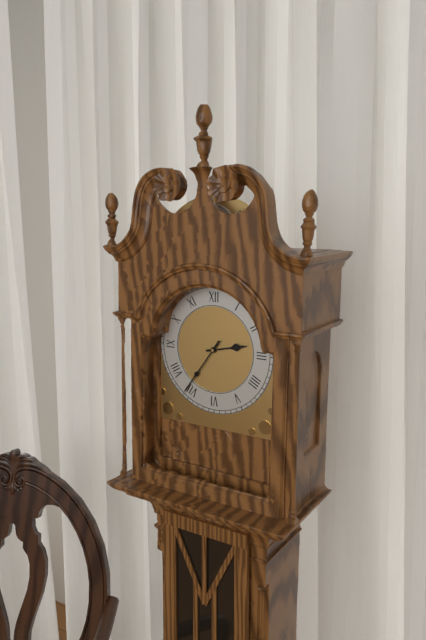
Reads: 2.36
